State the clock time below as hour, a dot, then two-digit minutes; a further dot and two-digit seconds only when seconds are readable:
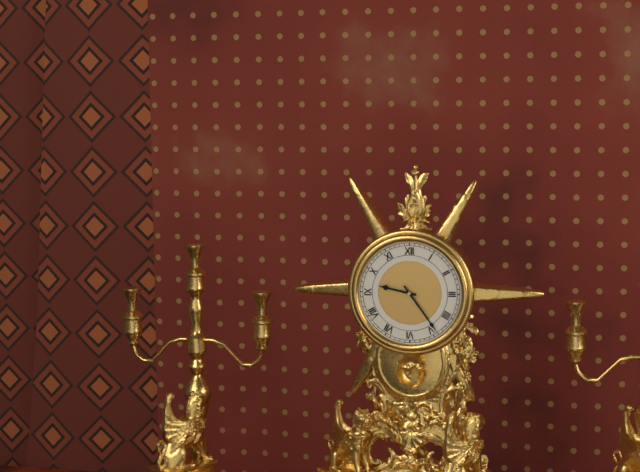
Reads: 9.24
